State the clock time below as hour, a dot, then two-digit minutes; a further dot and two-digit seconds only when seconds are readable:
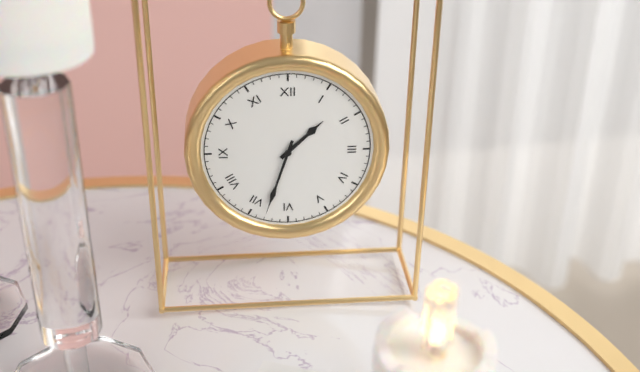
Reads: 1.33
